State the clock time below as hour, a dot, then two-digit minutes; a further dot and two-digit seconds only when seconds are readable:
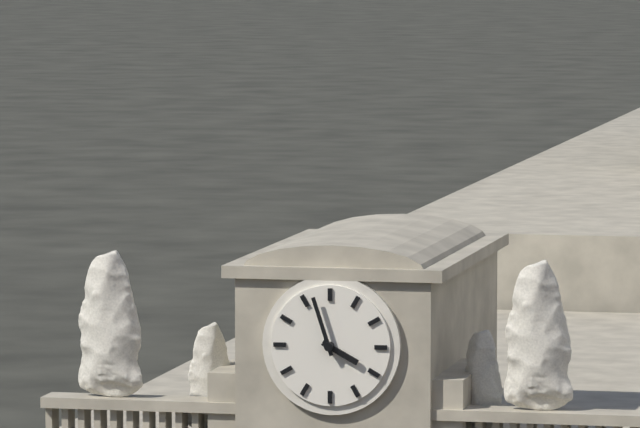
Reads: 3.57
